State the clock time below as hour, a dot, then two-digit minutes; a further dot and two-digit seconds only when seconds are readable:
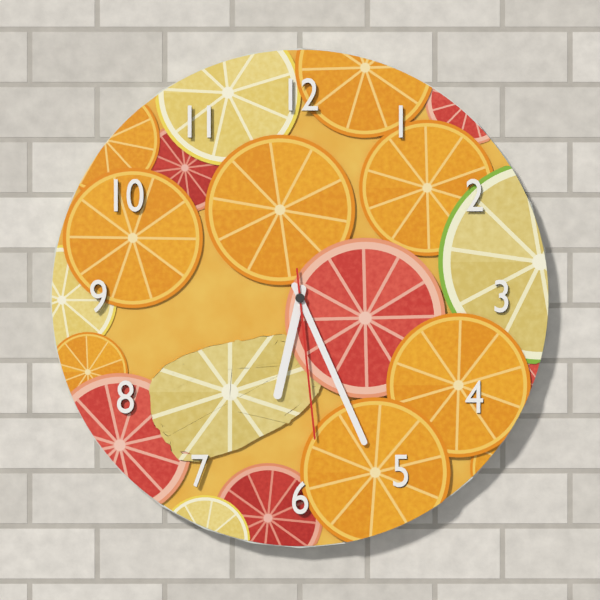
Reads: 6.26.29
